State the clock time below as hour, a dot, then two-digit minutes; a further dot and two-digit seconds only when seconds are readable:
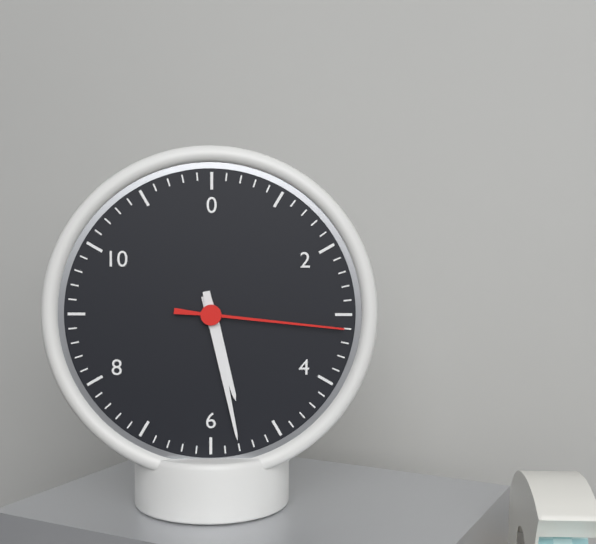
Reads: 5.28.16
